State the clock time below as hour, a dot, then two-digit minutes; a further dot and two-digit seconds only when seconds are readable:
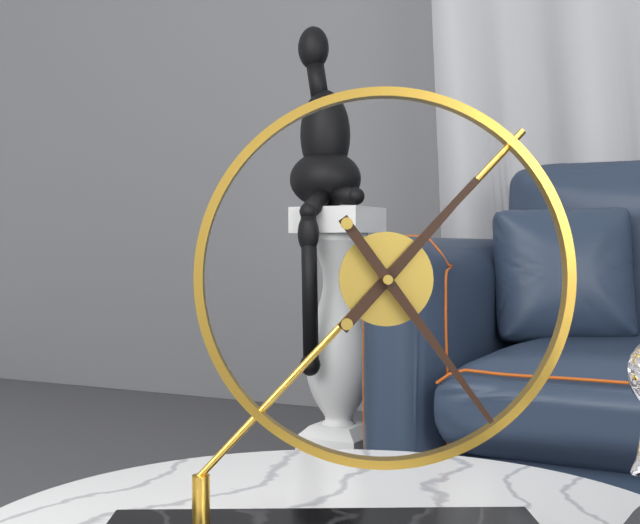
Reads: 1.24
